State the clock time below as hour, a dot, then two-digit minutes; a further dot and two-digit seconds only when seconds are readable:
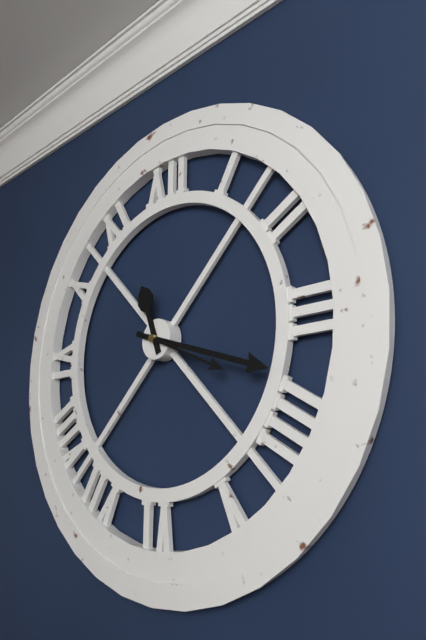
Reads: 11.18.19
